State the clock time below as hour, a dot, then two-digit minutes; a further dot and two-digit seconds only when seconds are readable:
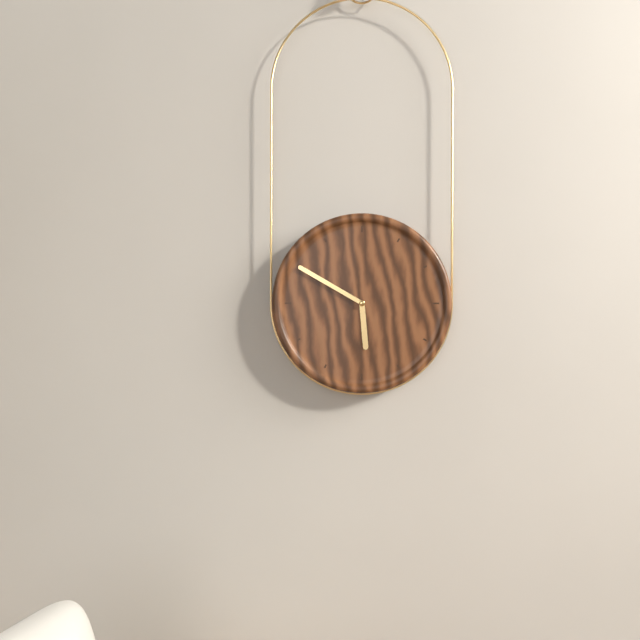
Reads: 5.50
